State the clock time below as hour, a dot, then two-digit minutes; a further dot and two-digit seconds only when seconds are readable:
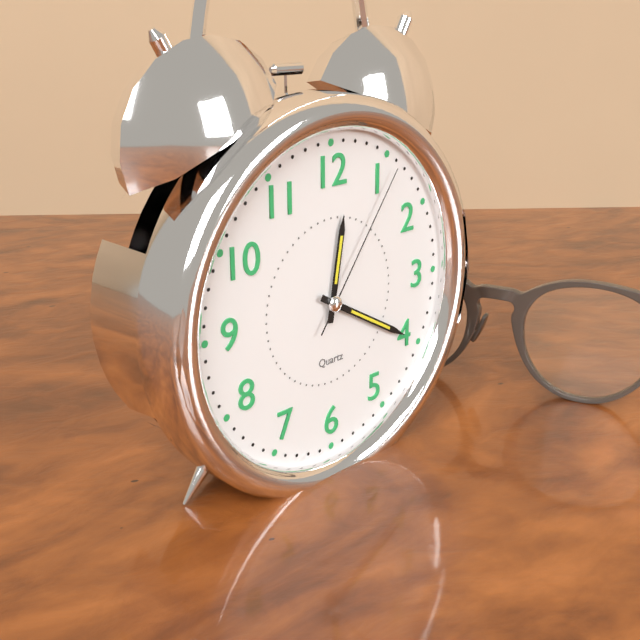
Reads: 12.20.06
